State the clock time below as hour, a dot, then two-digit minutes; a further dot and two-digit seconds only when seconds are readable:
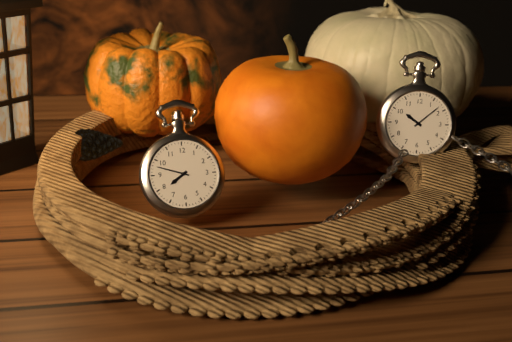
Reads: 7.48
